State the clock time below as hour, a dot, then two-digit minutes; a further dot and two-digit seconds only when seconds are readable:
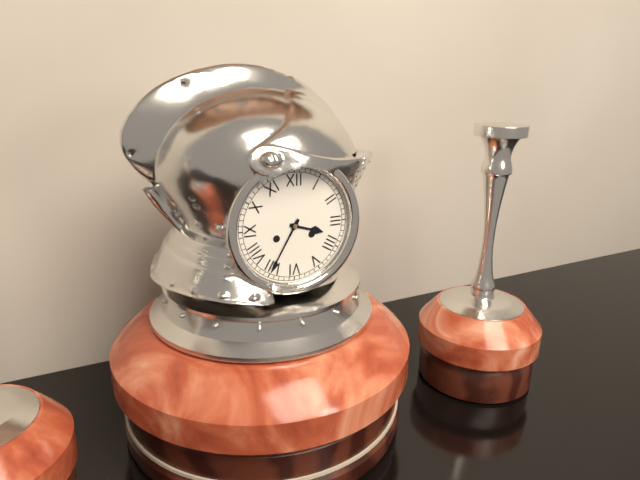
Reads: 3.35
